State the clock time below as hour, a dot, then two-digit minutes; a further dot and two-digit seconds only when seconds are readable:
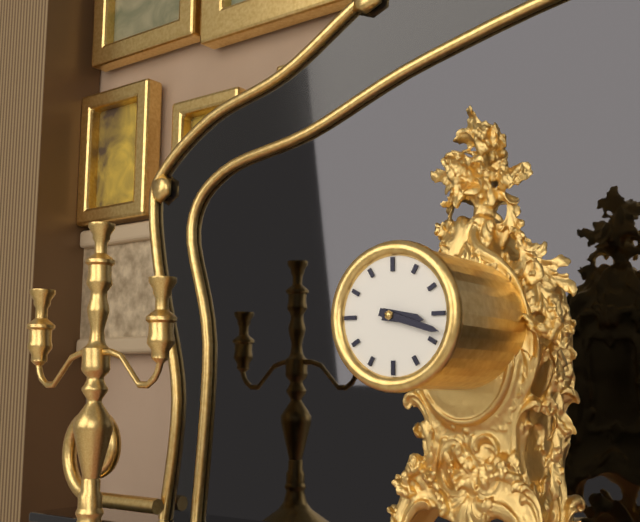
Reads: 3.18
